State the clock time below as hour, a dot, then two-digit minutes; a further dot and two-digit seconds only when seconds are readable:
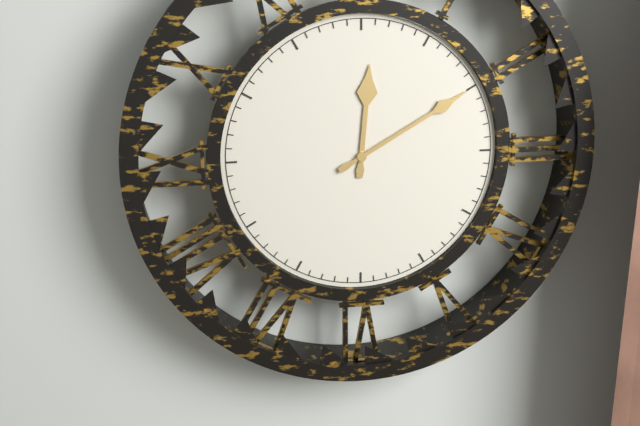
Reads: 12.10
